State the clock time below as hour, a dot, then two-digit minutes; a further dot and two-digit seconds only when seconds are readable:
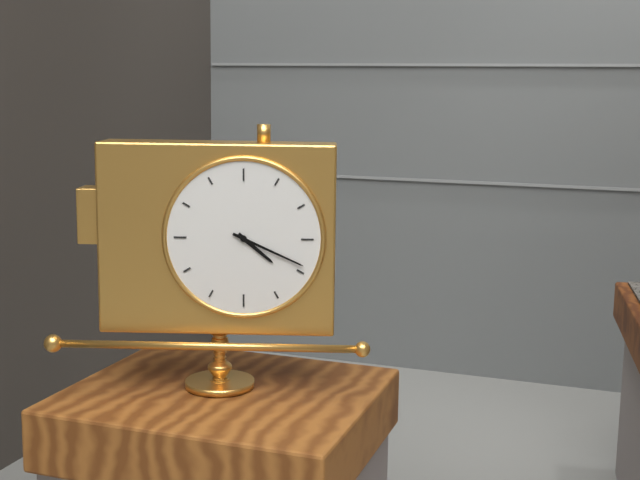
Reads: 4.19
